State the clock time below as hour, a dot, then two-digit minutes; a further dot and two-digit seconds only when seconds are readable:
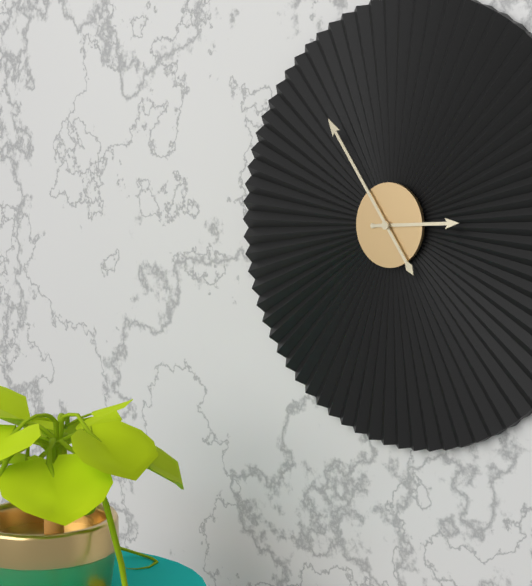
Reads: 2.54
